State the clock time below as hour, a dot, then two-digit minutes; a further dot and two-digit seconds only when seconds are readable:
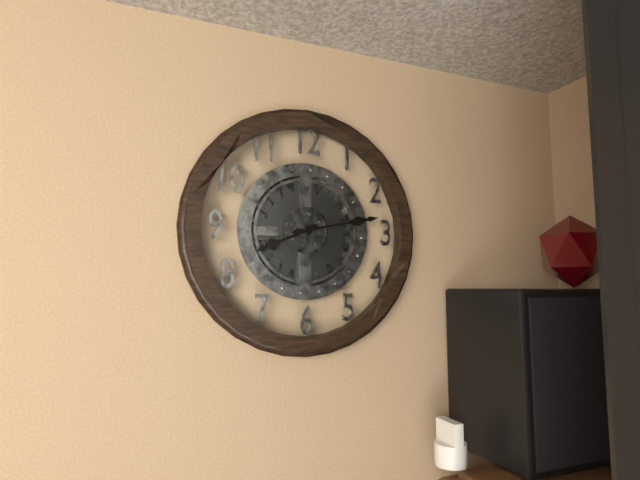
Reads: 8.13
